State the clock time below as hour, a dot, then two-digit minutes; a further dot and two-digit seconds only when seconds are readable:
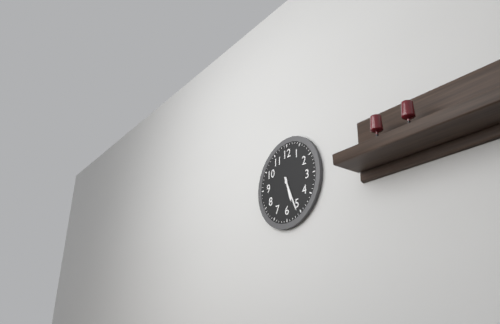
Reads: 5.26
